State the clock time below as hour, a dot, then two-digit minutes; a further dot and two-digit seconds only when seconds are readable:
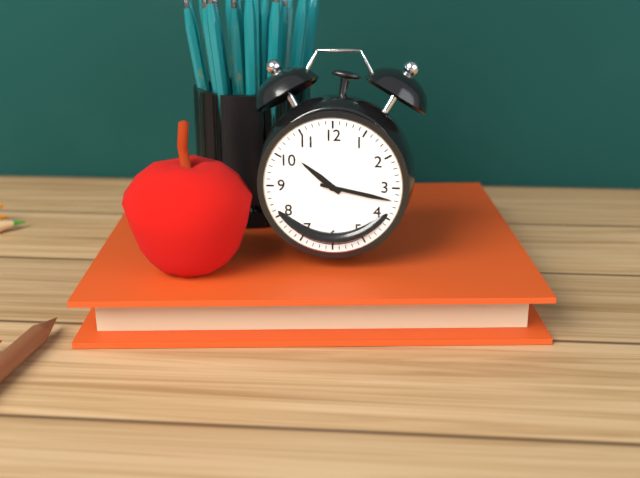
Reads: 10.17
